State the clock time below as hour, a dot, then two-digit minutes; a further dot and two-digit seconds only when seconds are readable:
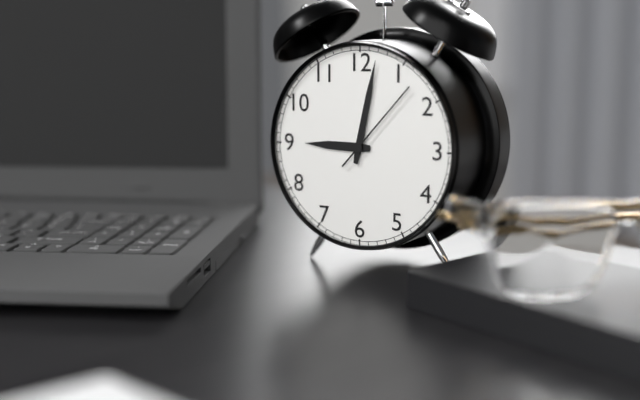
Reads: 9.02.07
